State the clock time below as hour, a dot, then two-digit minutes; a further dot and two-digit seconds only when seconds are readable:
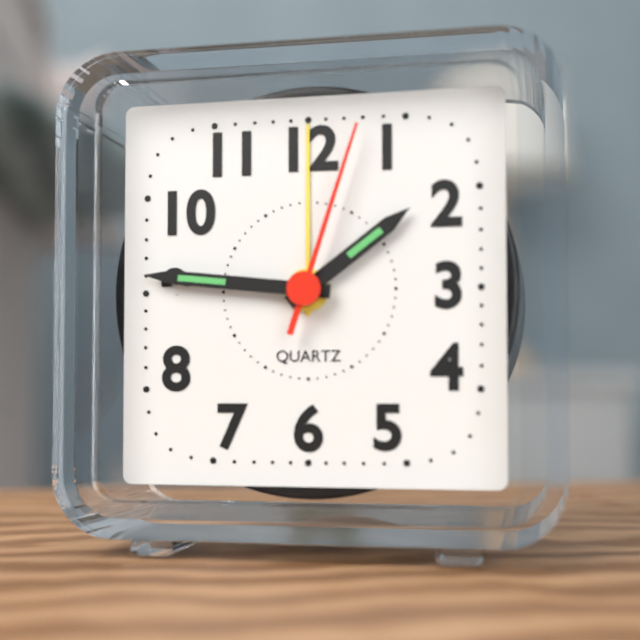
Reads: 1.46.03
